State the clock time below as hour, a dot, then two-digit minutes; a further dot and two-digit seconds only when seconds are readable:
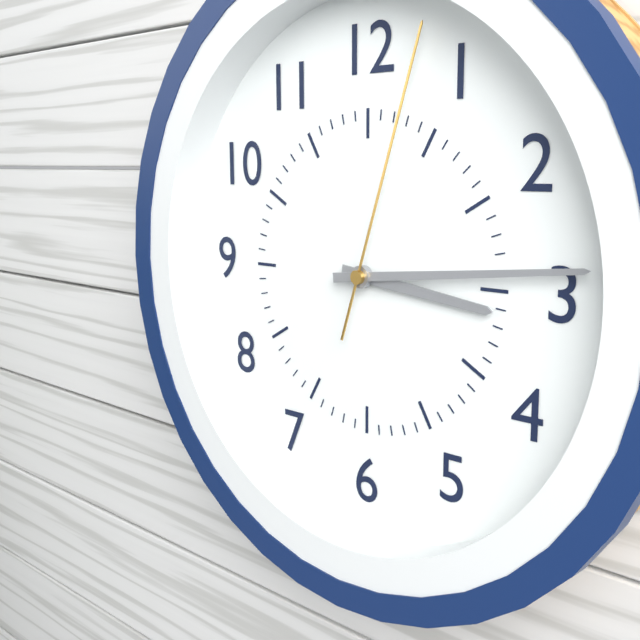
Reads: 3.14.03
